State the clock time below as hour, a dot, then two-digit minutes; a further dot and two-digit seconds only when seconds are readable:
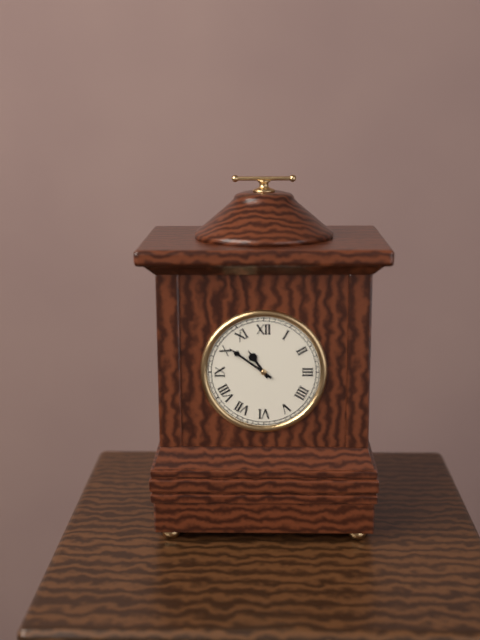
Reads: 10.51
